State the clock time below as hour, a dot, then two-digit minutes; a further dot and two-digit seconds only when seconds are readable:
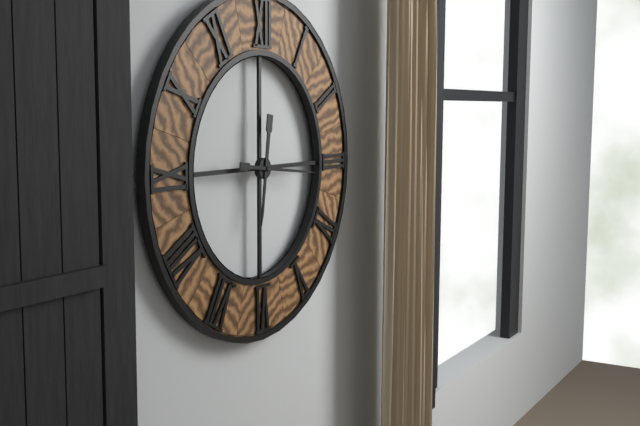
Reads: 6.16
